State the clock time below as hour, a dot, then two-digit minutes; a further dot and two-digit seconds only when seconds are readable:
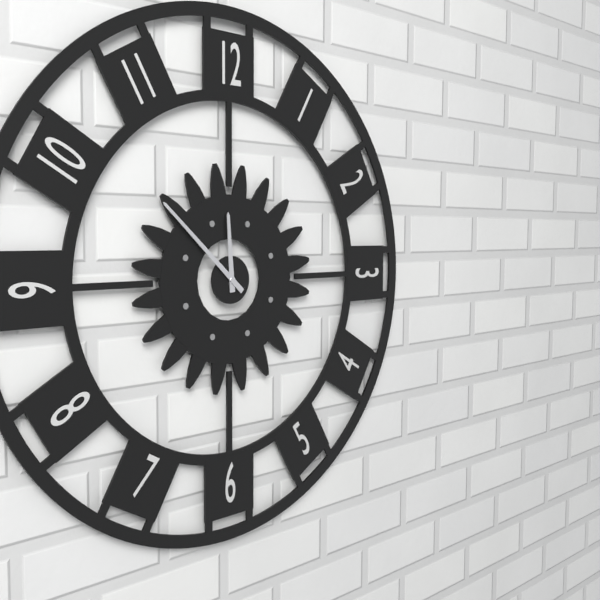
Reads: 11.52
